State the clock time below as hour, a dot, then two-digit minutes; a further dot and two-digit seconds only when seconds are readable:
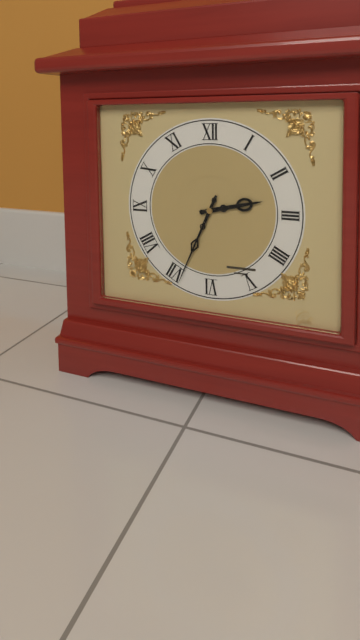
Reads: 2.34
